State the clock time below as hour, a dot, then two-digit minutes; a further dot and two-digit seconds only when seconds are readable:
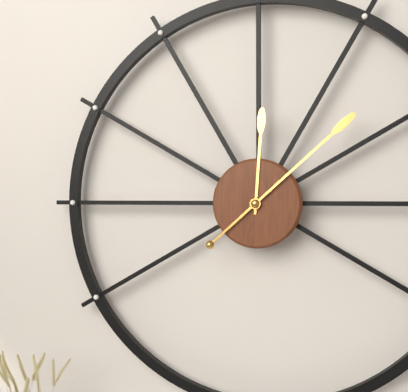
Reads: 12.08
